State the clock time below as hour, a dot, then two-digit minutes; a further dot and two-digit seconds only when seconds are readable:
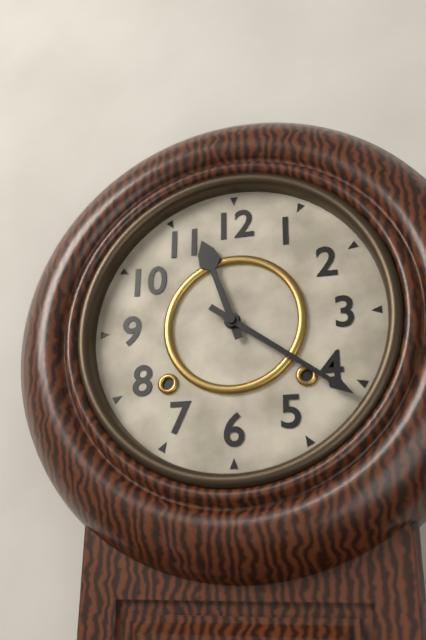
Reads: 11.21
